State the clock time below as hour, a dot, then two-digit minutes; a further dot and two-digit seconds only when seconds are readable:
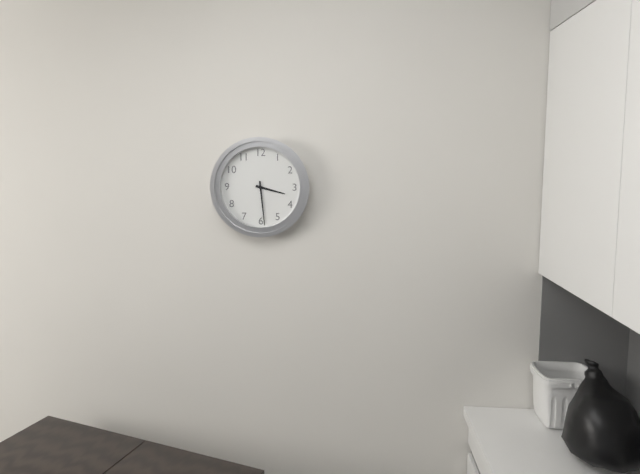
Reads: 3.29
